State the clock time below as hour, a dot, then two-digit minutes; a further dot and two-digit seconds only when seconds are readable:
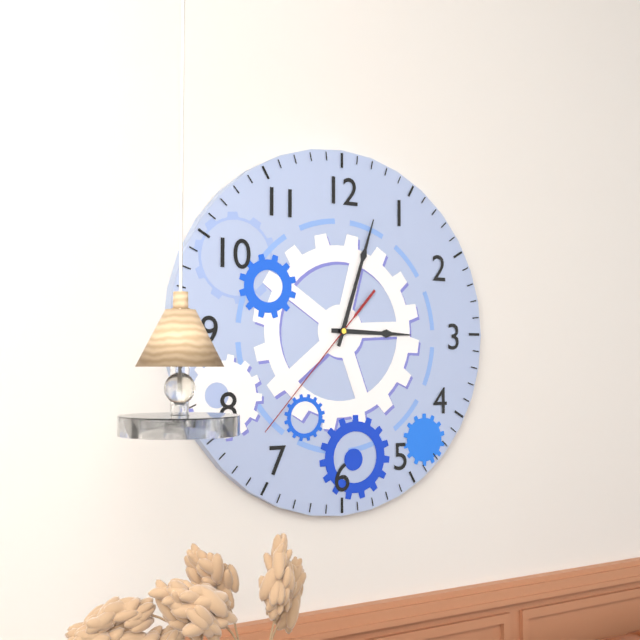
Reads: 3.03.37
